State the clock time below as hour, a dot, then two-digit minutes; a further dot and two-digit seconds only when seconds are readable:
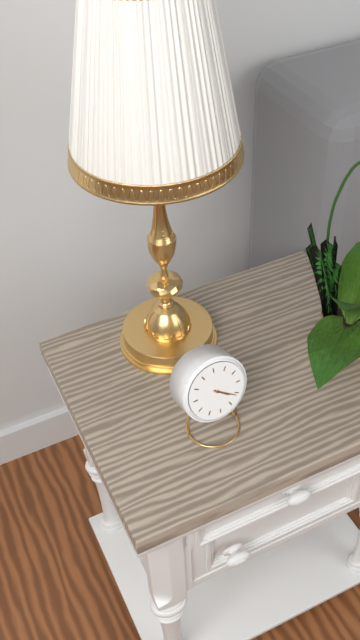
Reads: 4.21
